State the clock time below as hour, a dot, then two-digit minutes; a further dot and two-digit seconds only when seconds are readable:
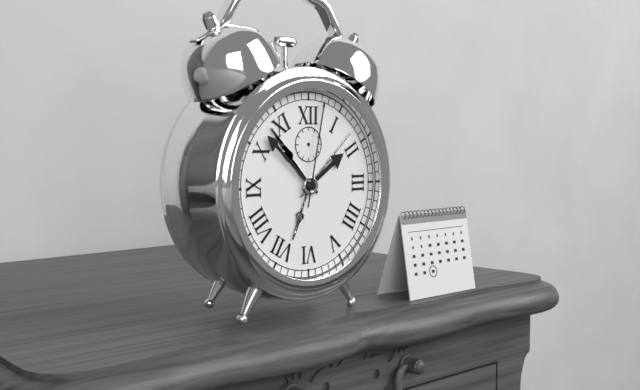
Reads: 1.52.02
